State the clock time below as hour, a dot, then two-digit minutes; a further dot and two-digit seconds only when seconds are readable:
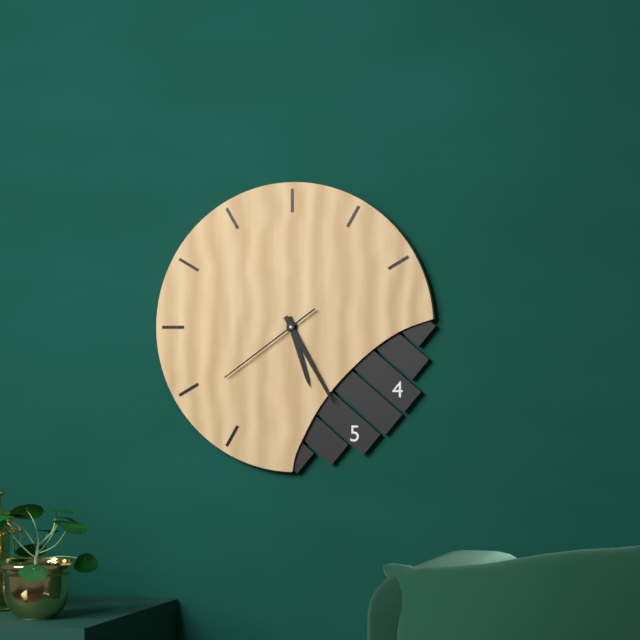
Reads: 5.25.39
